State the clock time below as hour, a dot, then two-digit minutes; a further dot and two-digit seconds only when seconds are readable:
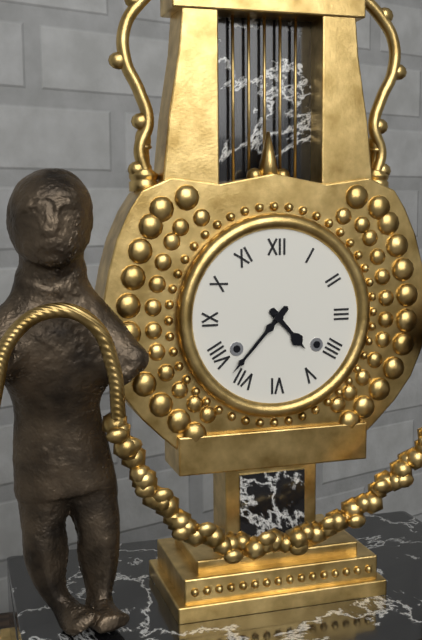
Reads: 4.37
